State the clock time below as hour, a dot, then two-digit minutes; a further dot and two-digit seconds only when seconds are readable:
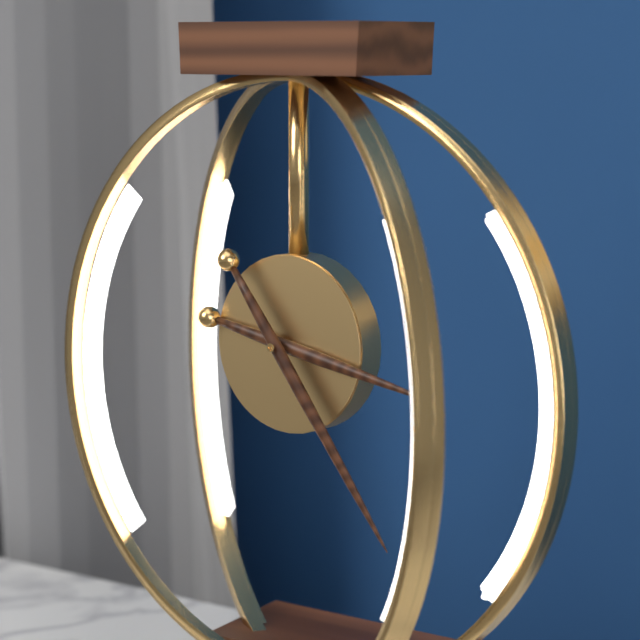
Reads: 3.24
